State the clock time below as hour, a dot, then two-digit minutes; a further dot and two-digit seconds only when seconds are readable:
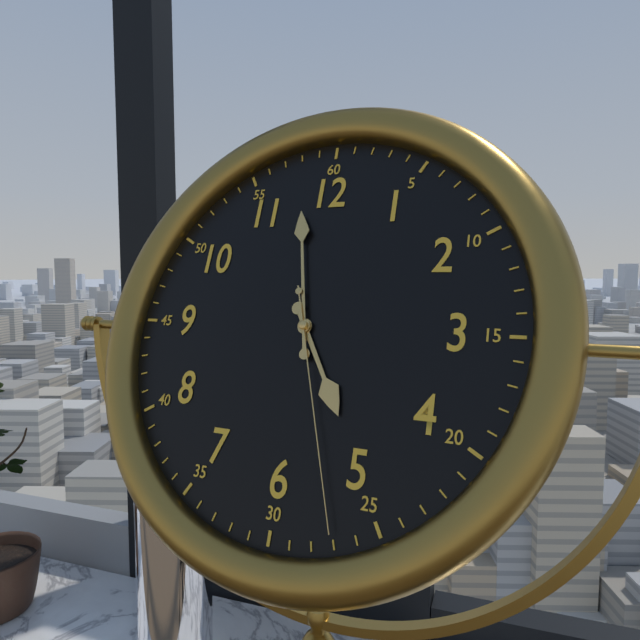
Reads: 4.58.27
